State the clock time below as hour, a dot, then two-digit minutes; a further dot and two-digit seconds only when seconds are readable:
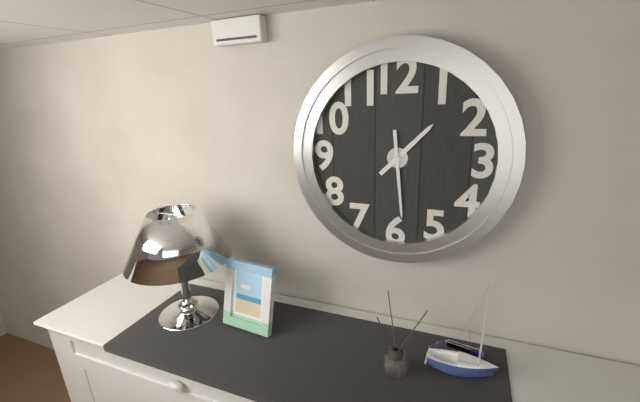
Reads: 1.29
